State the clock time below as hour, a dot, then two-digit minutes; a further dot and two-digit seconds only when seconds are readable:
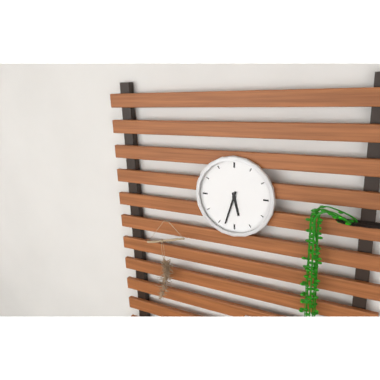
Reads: 5.33
